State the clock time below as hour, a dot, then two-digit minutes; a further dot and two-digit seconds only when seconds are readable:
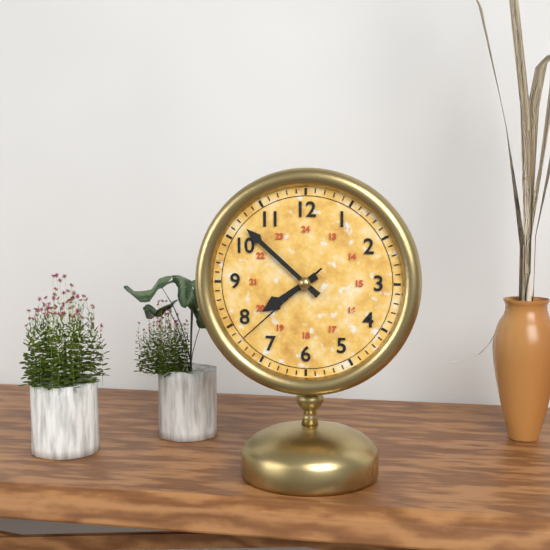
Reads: 7.52.38
